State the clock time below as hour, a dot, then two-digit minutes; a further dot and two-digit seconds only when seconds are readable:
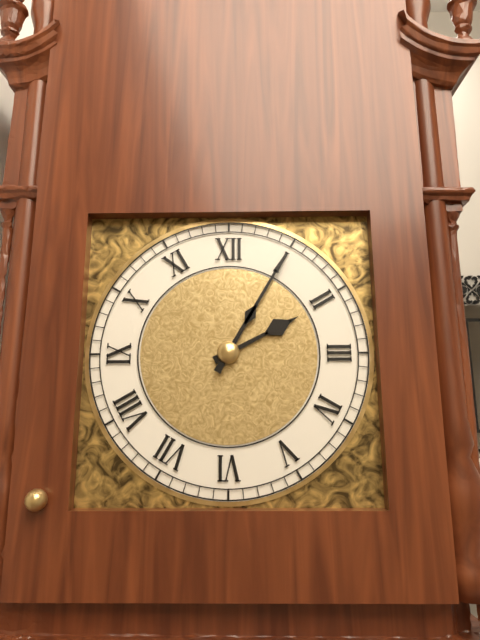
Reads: 2.05
